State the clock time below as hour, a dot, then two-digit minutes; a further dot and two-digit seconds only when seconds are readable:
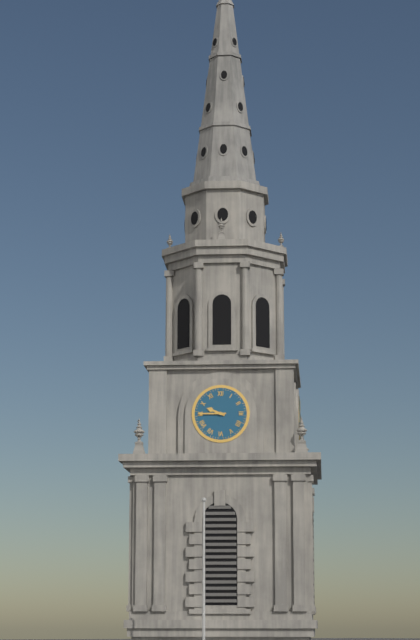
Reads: 9.45
